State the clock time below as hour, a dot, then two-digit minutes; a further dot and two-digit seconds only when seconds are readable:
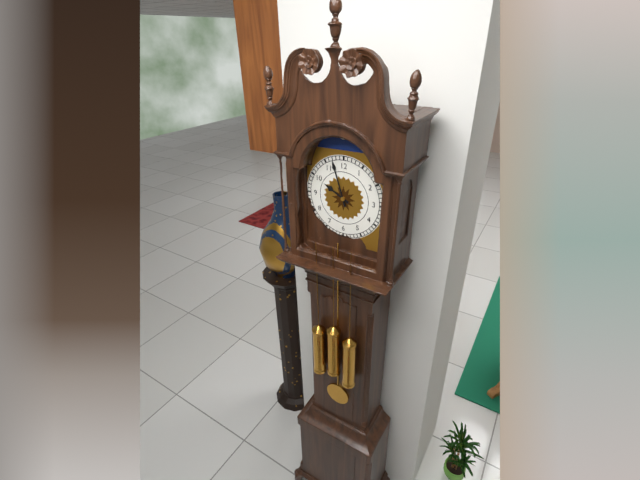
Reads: 9.57
